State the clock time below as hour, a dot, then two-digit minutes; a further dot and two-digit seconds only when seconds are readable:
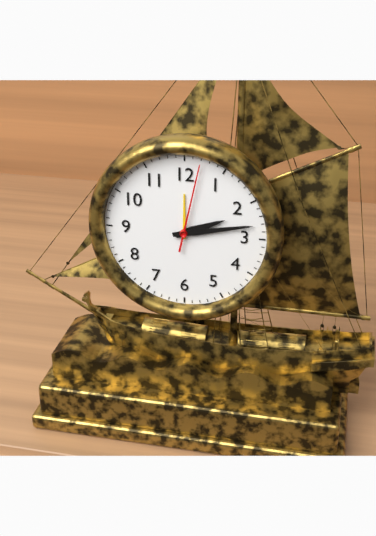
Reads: 2.13.02
